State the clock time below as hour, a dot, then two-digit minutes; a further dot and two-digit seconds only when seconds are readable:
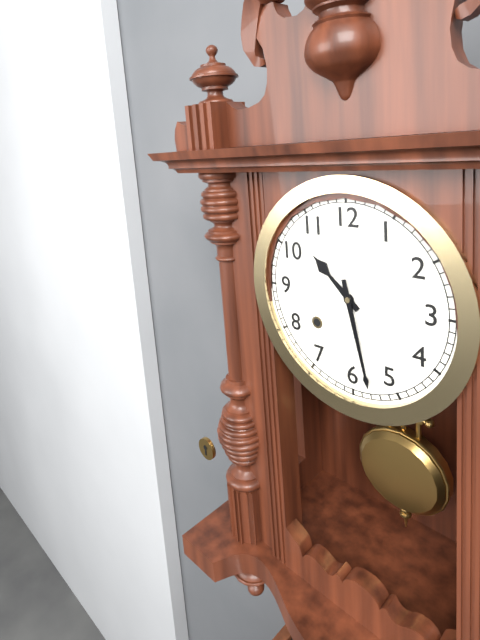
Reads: 10.28
